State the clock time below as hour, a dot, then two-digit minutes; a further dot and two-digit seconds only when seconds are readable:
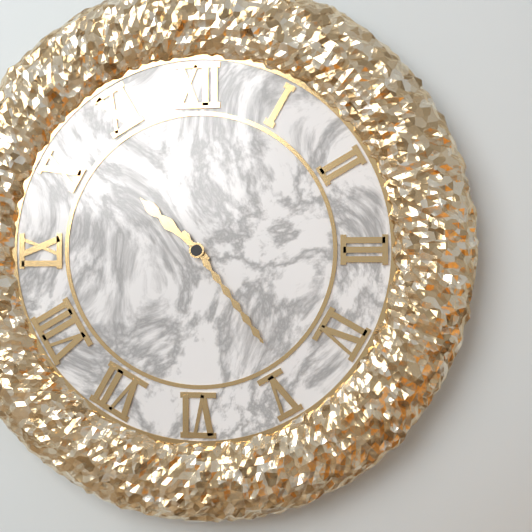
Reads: 10.24
